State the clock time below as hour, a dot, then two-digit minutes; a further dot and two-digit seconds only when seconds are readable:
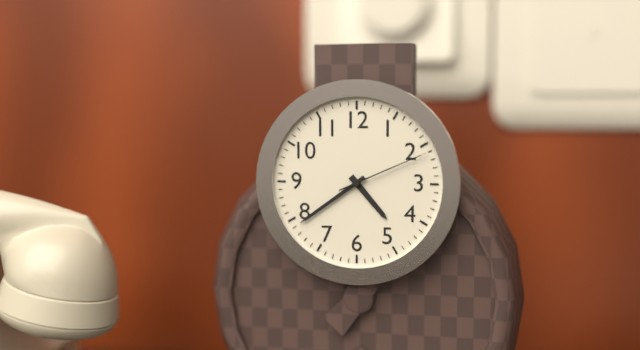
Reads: 4.39.11
